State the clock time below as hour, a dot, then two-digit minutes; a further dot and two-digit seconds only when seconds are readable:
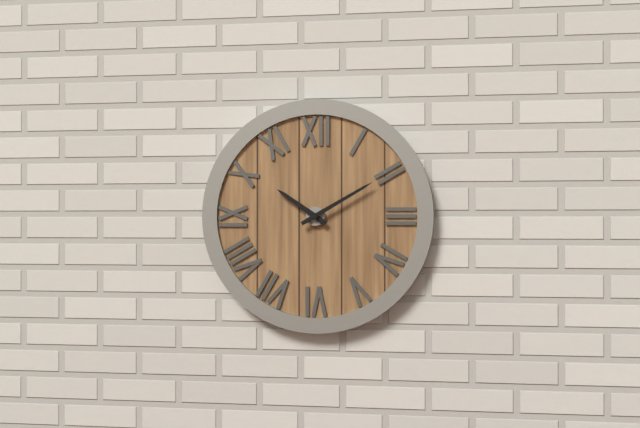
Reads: 10.10
